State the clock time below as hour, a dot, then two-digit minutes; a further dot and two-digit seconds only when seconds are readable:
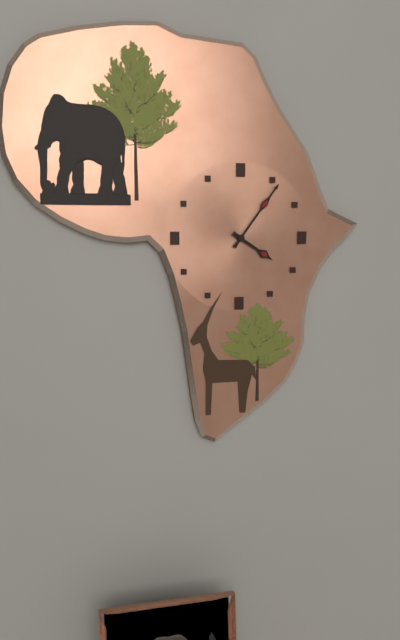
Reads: 4.06
